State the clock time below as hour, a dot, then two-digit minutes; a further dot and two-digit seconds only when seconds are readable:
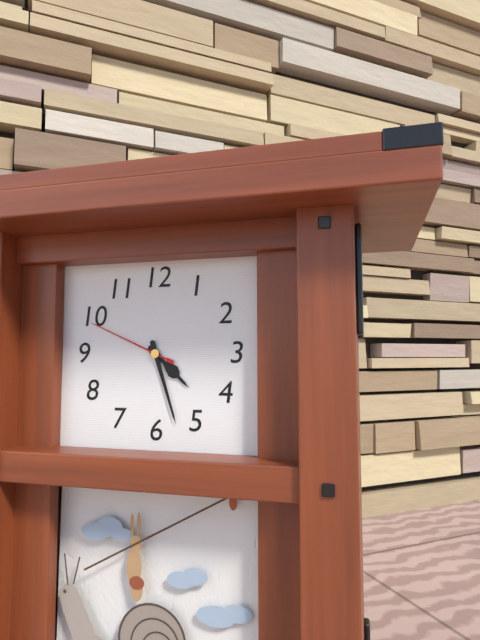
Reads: 4.27.49
